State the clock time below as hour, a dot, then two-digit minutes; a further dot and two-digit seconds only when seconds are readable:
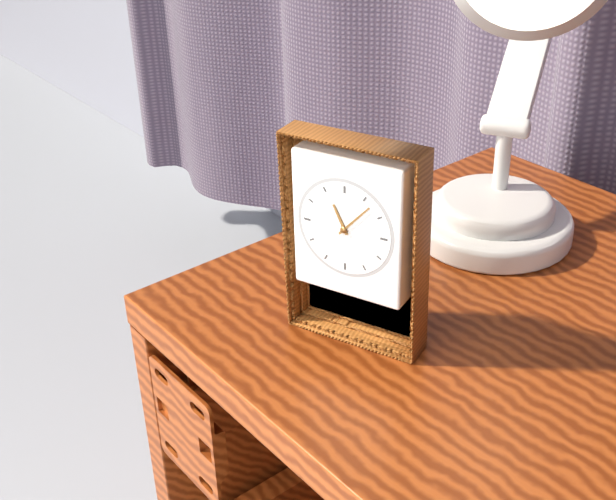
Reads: 11.07
